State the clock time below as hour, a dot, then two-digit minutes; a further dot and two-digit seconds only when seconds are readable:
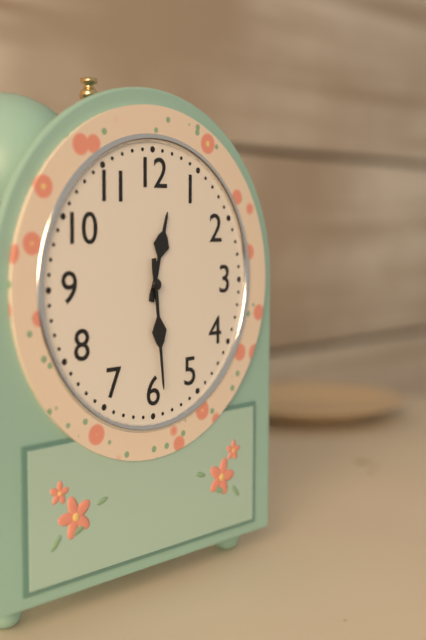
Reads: 12.29
